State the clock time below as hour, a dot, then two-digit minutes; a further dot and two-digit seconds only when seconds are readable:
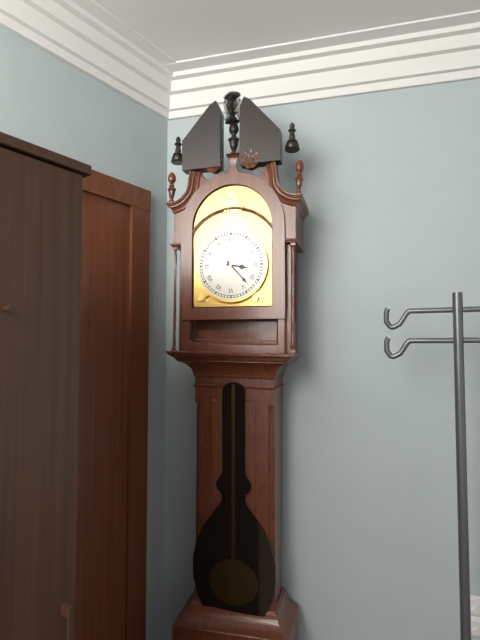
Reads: 3.23
